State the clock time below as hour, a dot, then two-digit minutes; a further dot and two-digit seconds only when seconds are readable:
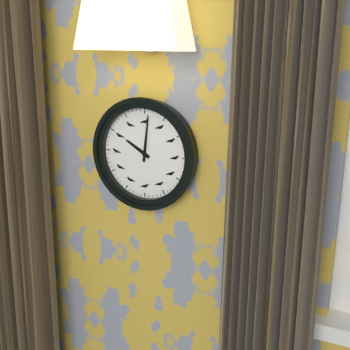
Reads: 10.01
